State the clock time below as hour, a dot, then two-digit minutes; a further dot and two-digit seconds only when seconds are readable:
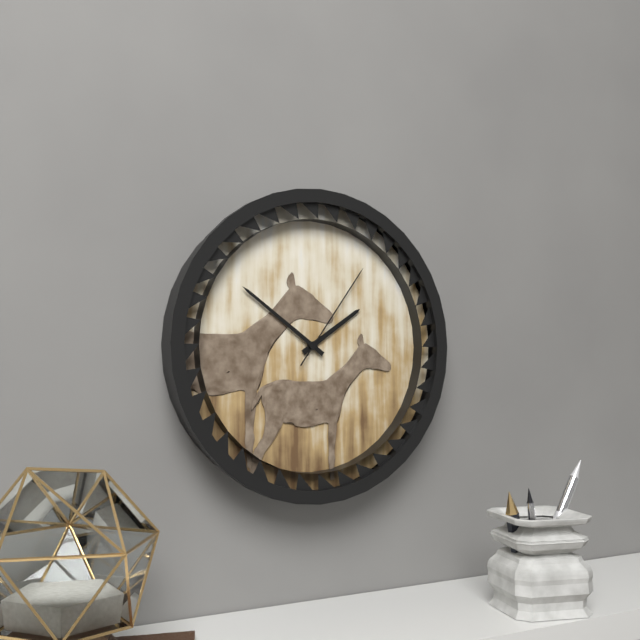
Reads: 1.51.06
